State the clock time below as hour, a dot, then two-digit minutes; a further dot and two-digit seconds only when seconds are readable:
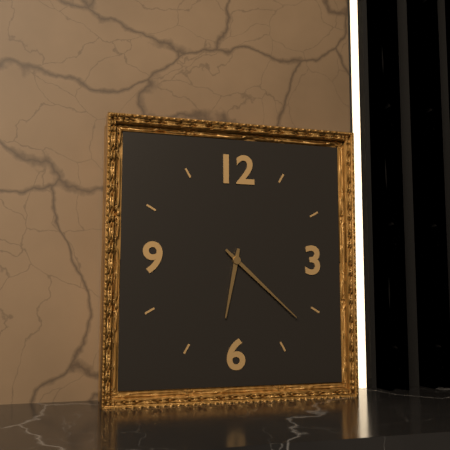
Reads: 6.22
